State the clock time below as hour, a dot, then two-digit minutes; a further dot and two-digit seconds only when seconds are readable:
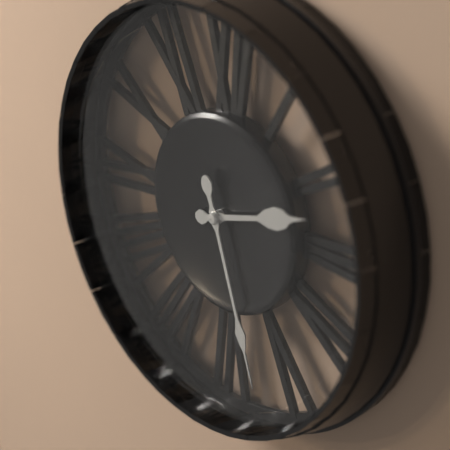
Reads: 2.27
